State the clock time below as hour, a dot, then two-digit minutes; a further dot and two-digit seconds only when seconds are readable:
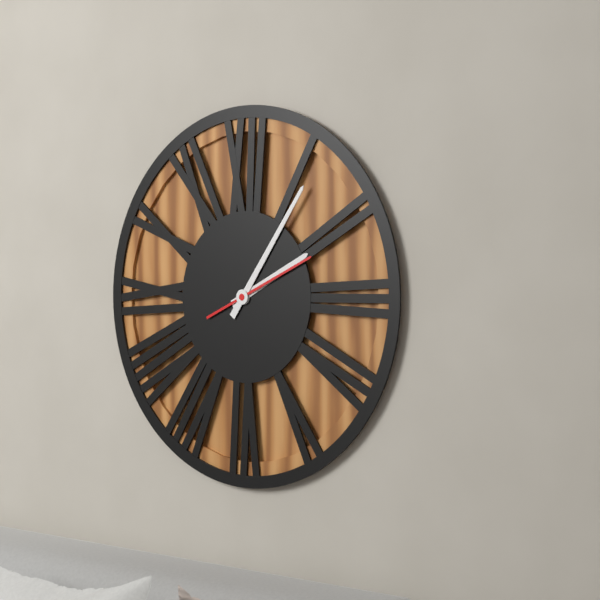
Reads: 2.06.11
